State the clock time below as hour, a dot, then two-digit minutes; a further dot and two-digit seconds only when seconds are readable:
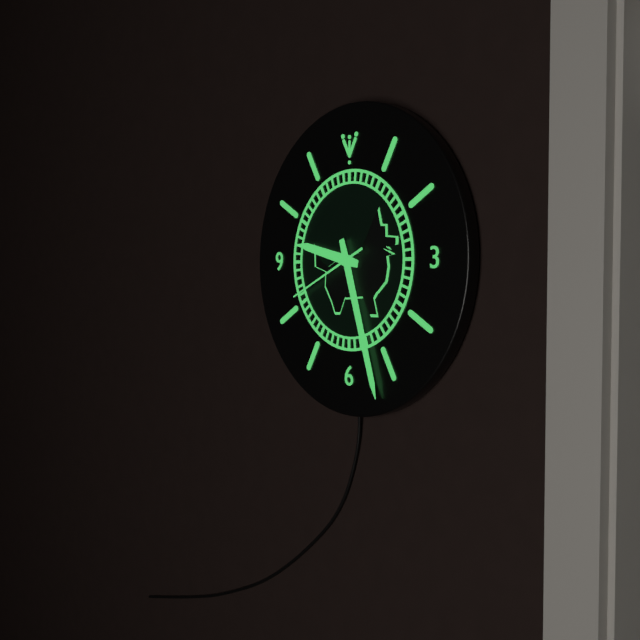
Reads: 9.27.41
